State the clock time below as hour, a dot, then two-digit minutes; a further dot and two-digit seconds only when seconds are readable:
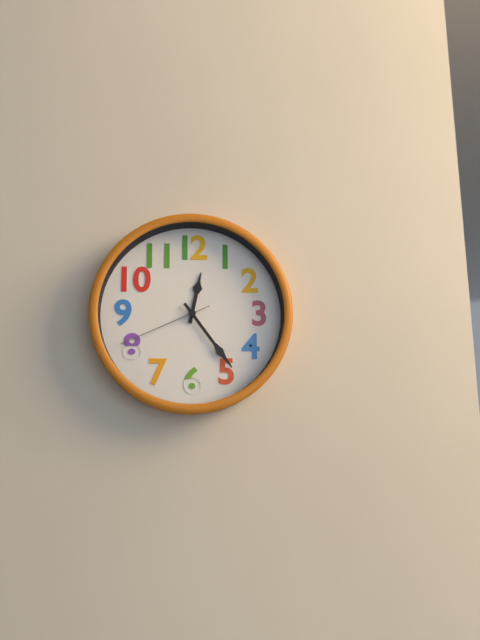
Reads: 12.24.41
